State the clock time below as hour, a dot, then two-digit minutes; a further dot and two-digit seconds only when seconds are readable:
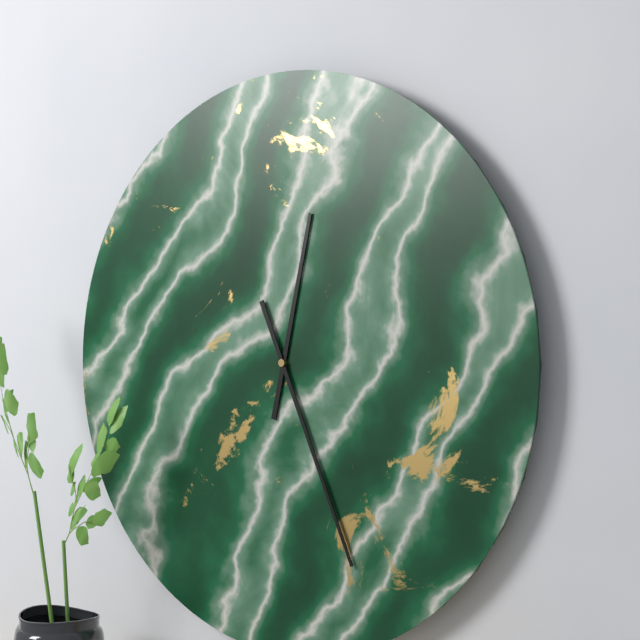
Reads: 12.26
